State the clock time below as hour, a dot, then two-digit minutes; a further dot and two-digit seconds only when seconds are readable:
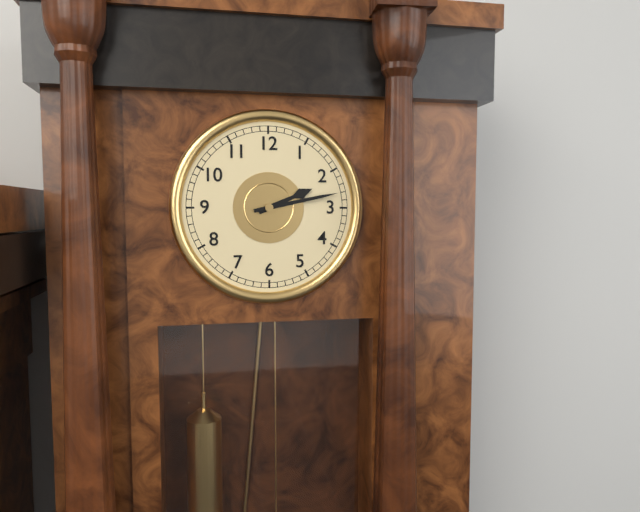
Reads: 2.13
